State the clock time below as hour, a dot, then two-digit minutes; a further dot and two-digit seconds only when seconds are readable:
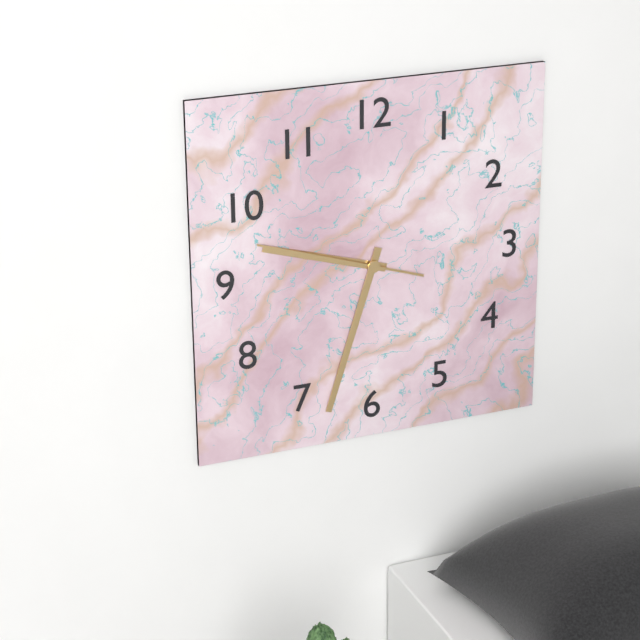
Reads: 9.33.48
